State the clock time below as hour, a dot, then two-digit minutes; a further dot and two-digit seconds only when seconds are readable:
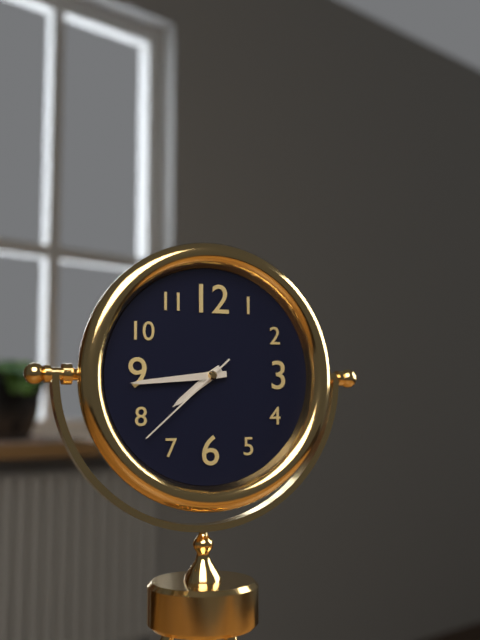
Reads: 7.44.38
